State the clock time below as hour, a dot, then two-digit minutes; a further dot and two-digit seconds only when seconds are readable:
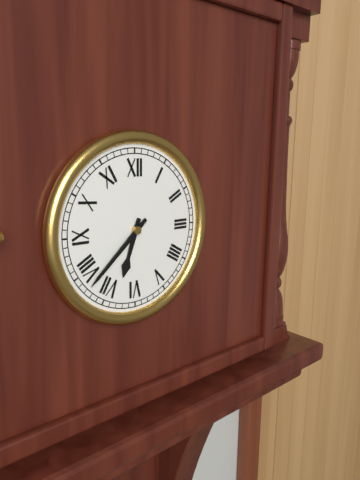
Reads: 6.38
